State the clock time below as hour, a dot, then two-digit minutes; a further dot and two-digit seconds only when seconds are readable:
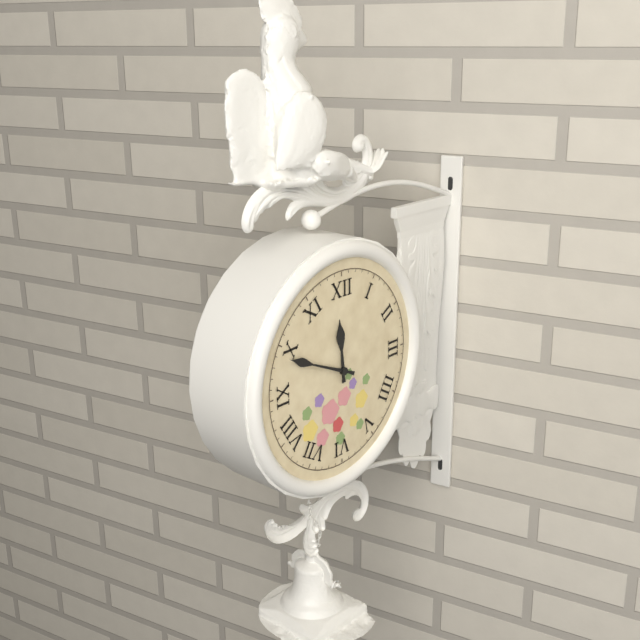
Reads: 11.49
